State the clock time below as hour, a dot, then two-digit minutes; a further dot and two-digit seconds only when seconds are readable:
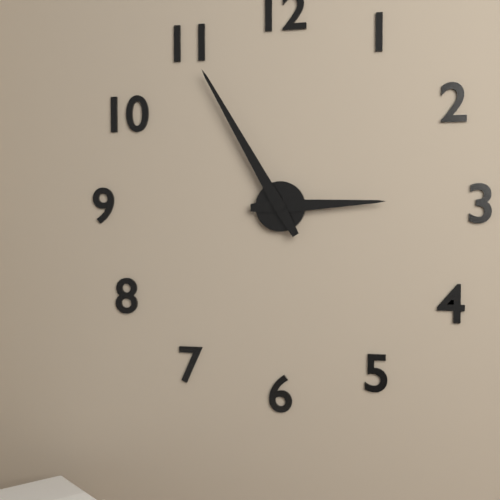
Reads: 2.55
